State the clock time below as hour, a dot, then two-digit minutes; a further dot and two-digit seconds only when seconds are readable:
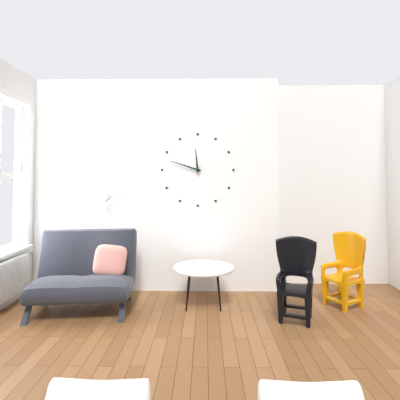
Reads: 11.48
